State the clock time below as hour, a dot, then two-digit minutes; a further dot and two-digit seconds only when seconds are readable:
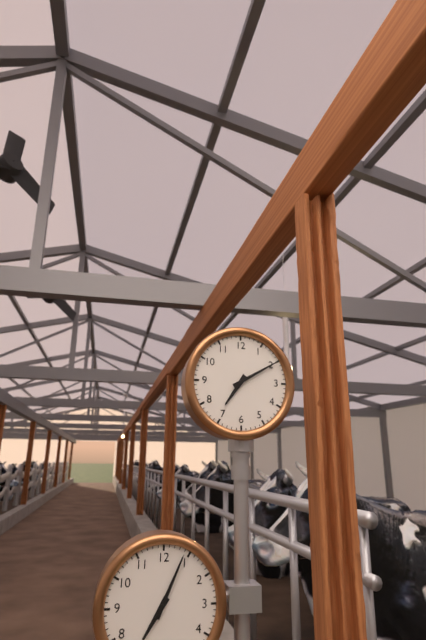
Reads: 7.10
